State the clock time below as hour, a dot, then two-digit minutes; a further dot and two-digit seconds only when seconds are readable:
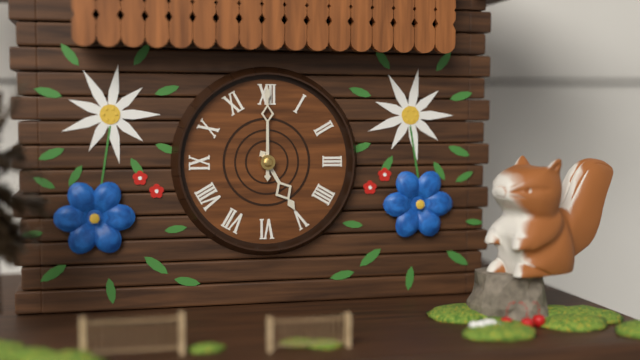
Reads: 5.00
